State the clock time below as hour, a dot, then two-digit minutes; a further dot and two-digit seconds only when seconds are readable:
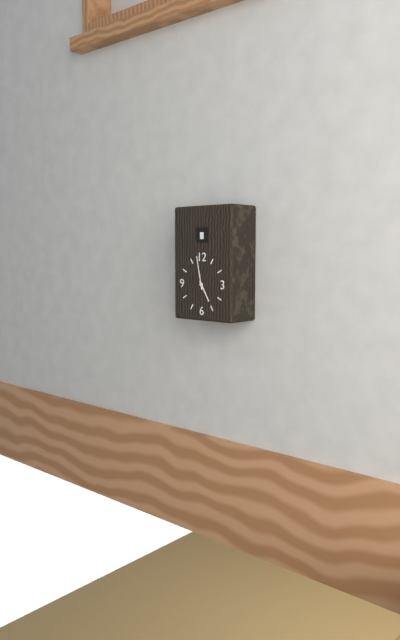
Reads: 4.58
